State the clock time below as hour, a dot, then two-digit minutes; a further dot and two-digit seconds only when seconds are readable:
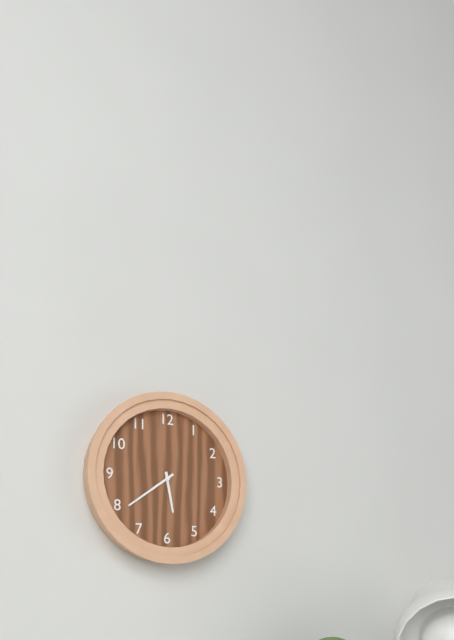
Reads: 5.39
